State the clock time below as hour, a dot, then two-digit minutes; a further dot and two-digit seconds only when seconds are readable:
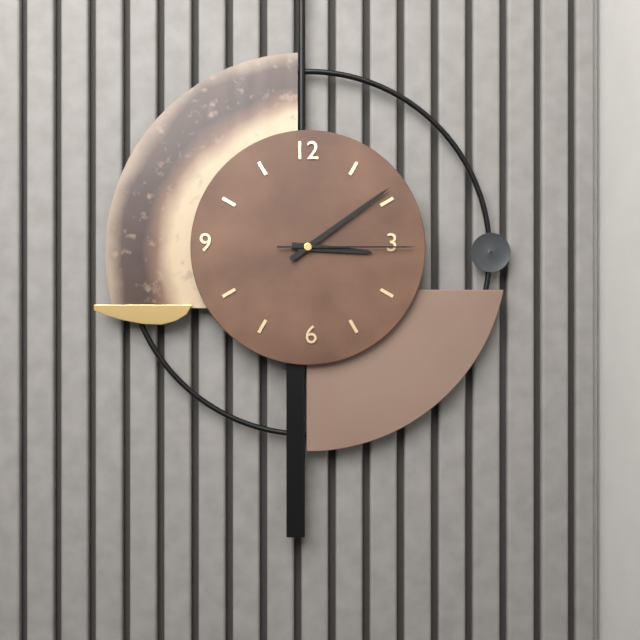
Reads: 3.09.15
